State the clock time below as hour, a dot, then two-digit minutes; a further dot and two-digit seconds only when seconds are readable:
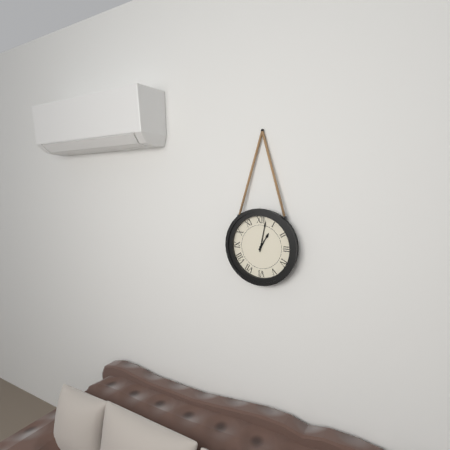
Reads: 1.02
